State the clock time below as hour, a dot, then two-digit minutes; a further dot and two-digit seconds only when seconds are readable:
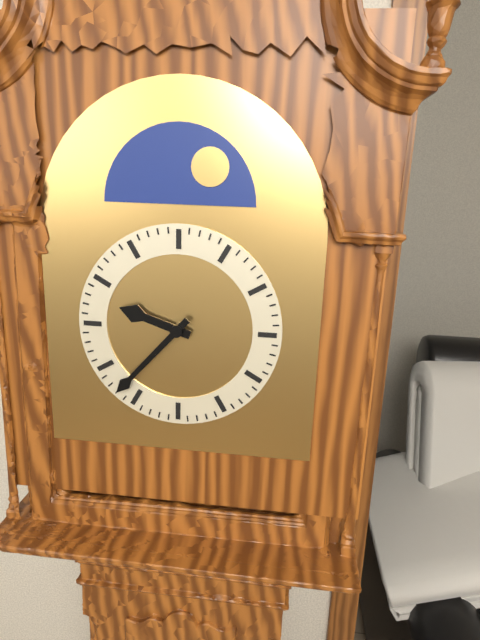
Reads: 9.37
